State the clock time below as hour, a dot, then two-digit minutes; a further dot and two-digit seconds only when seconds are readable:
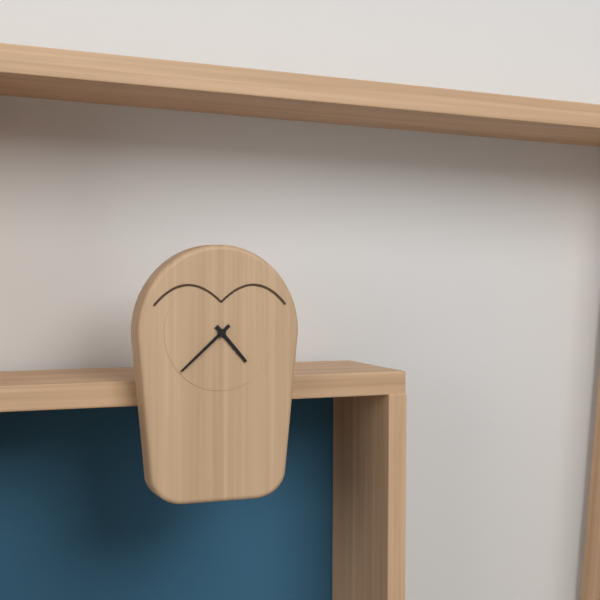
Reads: 4.38
